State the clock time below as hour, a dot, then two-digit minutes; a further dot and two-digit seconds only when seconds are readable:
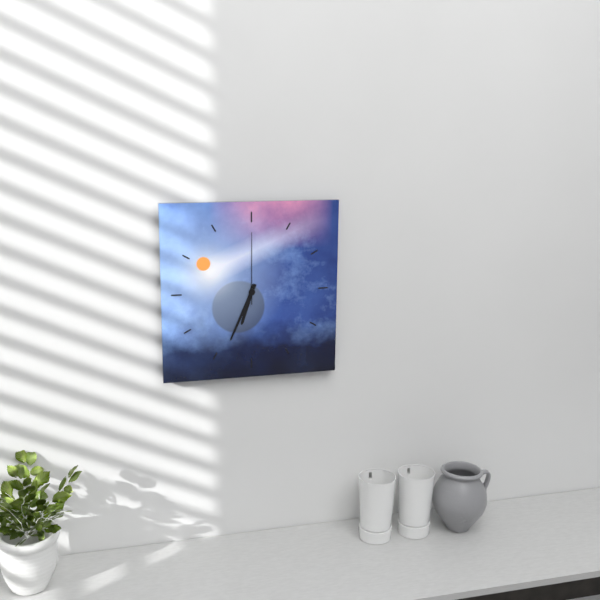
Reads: 6.34.00
